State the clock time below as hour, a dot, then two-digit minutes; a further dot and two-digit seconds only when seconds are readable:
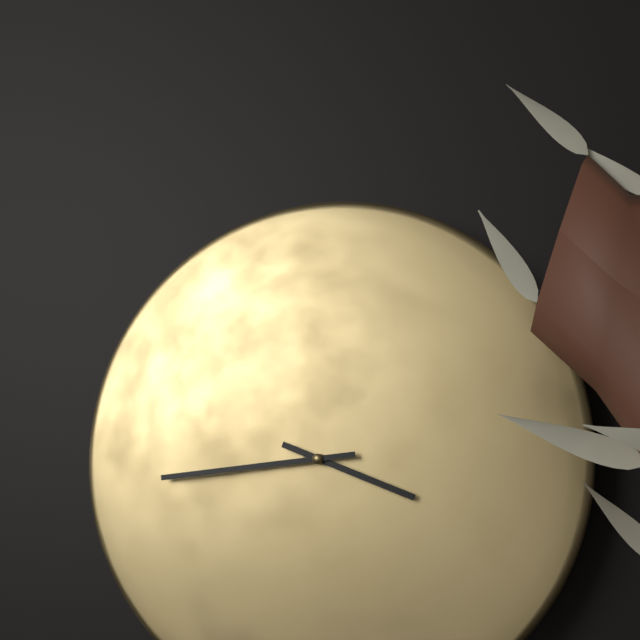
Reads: 3.44
